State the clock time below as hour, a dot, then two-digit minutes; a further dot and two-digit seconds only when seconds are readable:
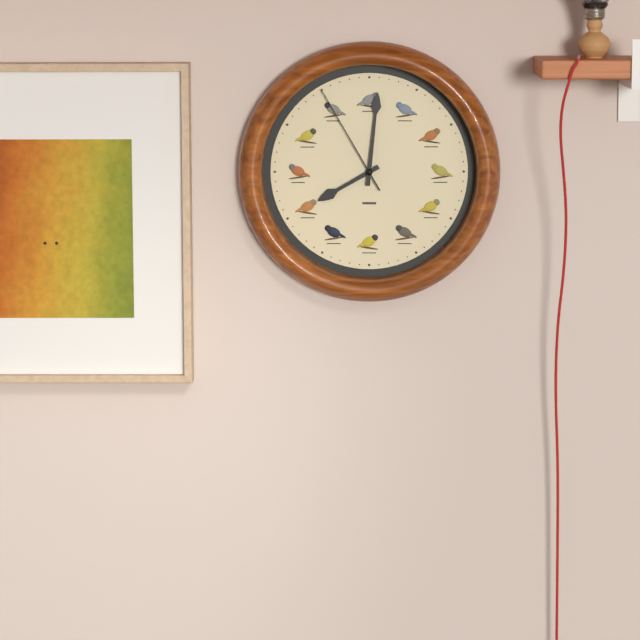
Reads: 8.01.55
